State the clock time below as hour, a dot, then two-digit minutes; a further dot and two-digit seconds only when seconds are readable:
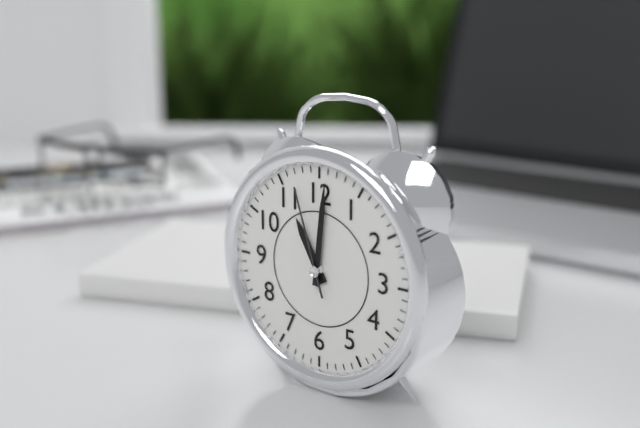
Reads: 11.01.57
